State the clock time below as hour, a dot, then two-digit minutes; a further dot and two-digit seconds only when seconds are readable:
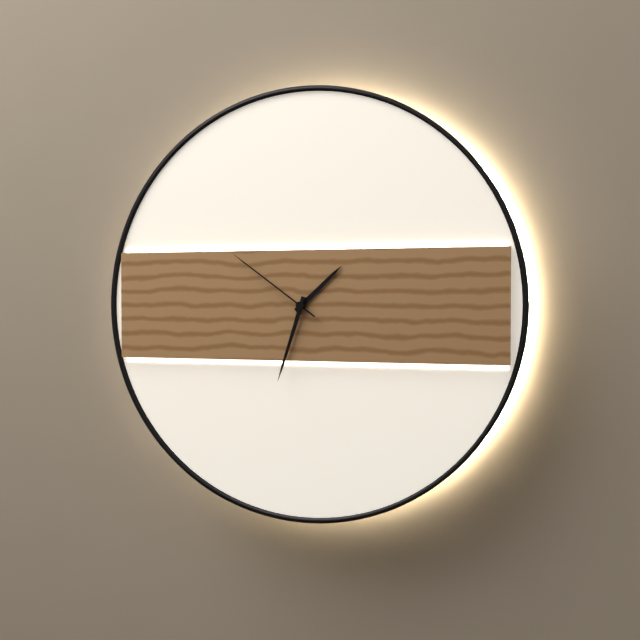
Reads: 1.33.51
